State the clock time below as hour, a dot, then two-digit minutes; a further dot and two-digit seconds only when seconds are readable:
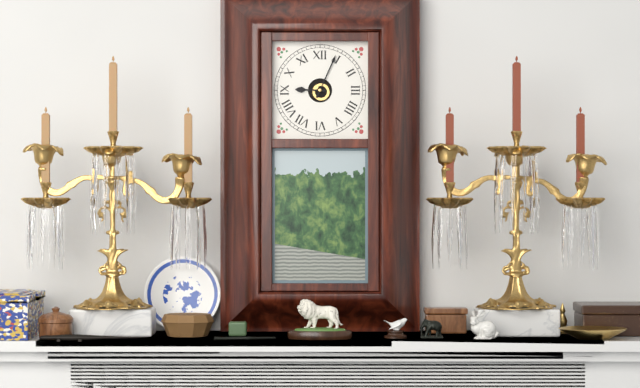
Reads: 9.04
